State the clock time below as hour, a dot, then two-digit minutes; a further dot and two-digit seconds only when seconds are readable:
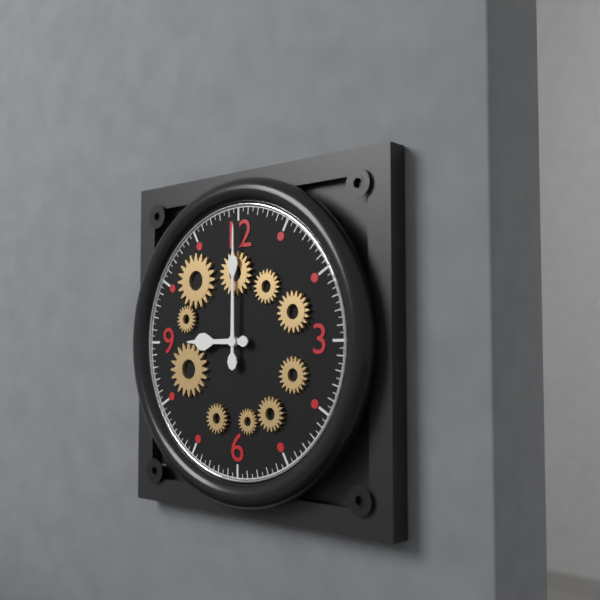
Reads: 9.00
